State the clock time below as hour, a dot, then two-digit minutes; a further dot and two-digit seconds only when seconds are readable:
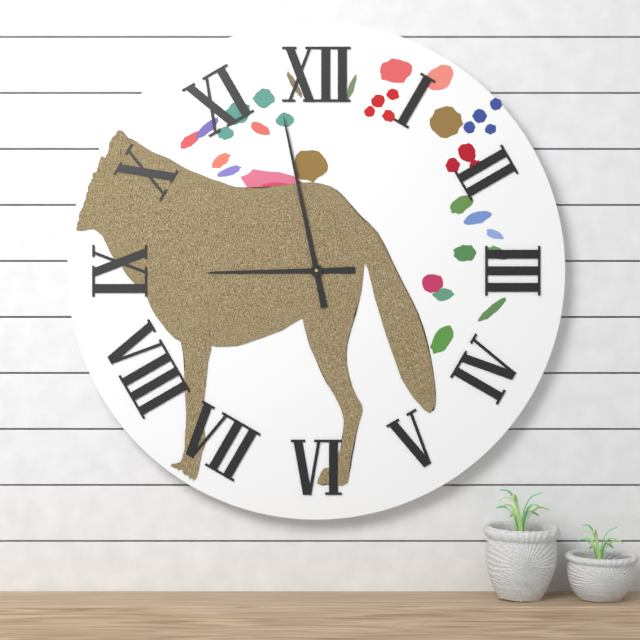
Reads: 8.58
